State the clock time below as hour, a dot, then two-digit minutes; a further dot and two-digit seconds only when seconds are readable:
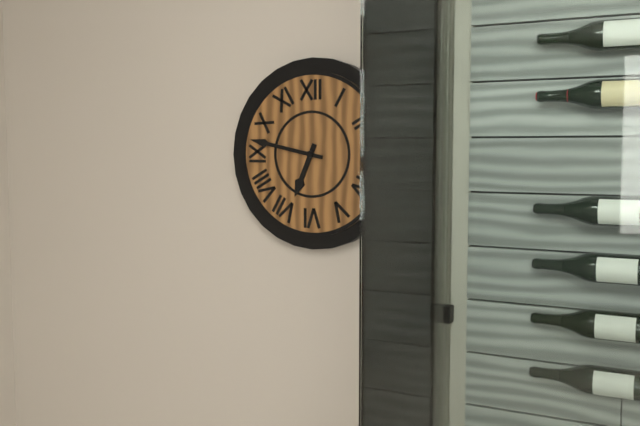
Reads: 6.47
